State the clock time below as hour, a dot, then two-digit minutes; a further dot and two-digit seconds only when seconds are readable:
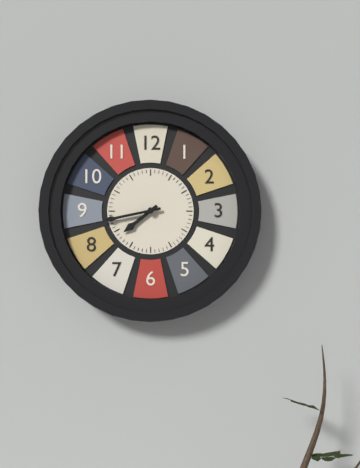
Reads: 7.43
